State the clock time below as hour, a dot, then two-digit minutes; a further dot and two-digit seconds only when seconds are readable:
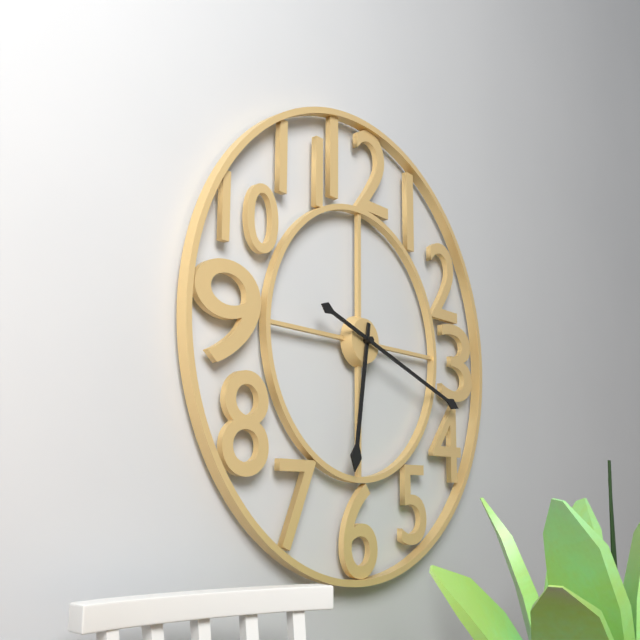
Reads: 6.18
